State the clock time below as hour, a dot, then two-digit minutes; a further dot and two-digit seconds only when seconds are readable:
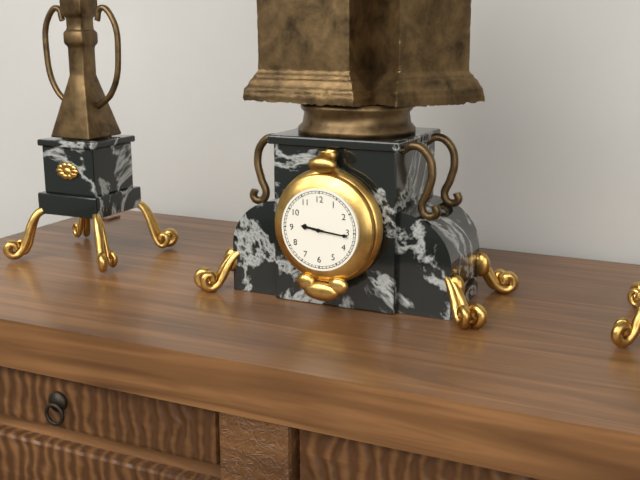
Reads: 9.16
